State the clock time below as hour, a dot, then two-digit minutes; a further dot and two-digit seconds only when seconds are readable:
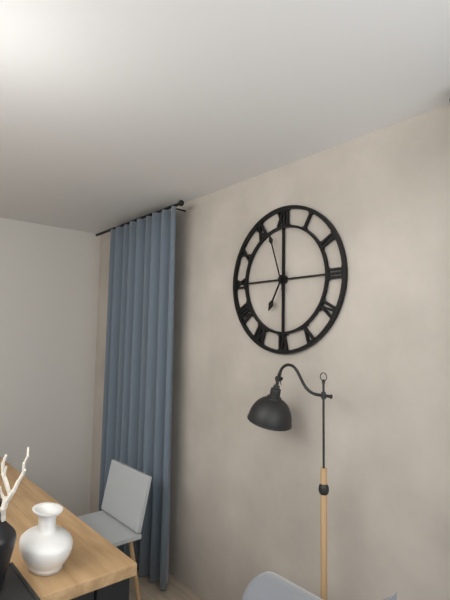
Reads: 6.57
